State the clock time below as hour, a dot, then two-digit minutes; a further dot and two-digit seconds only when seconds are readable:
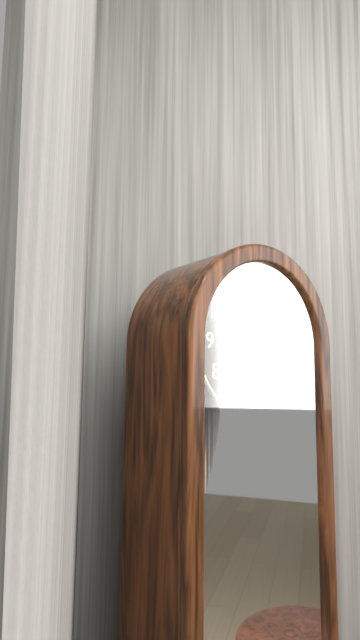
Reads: 8.21
